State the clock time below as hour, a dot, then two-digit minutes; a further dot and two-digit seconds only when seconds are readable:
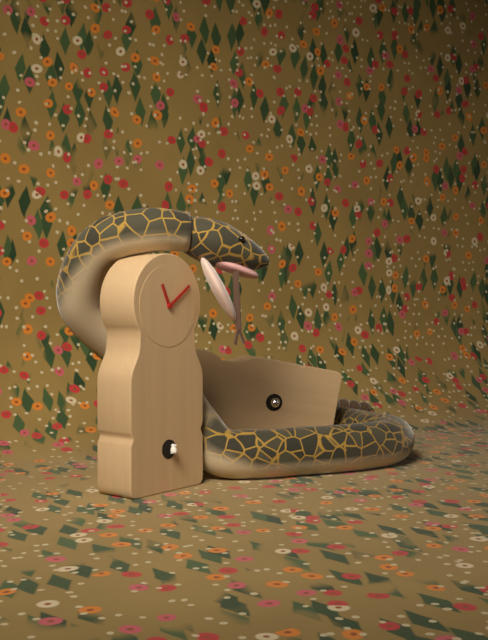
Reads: 11.09
